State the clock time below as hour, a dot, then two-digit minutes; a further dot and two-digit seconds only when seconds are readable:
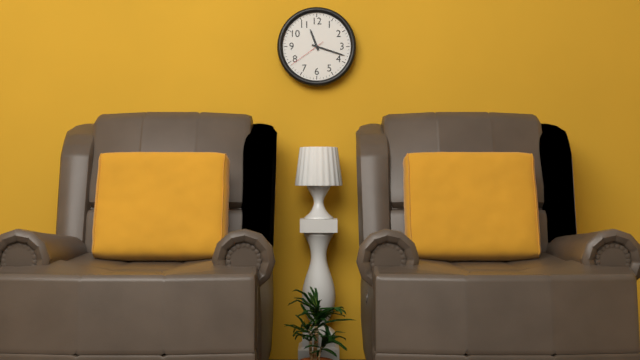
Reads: 11.18
